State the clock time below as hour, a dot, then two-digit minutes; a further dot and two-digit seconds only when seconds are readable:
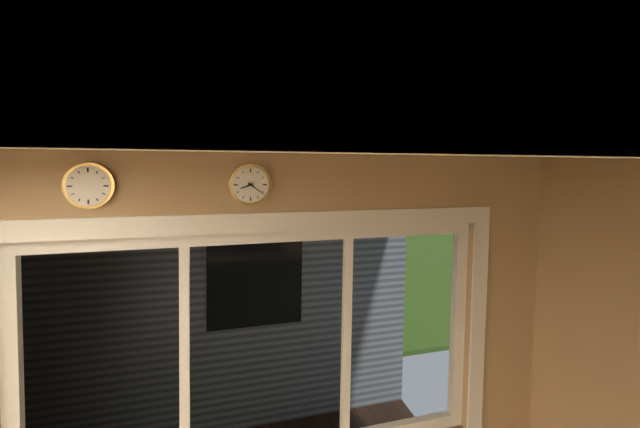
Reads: 8.21
